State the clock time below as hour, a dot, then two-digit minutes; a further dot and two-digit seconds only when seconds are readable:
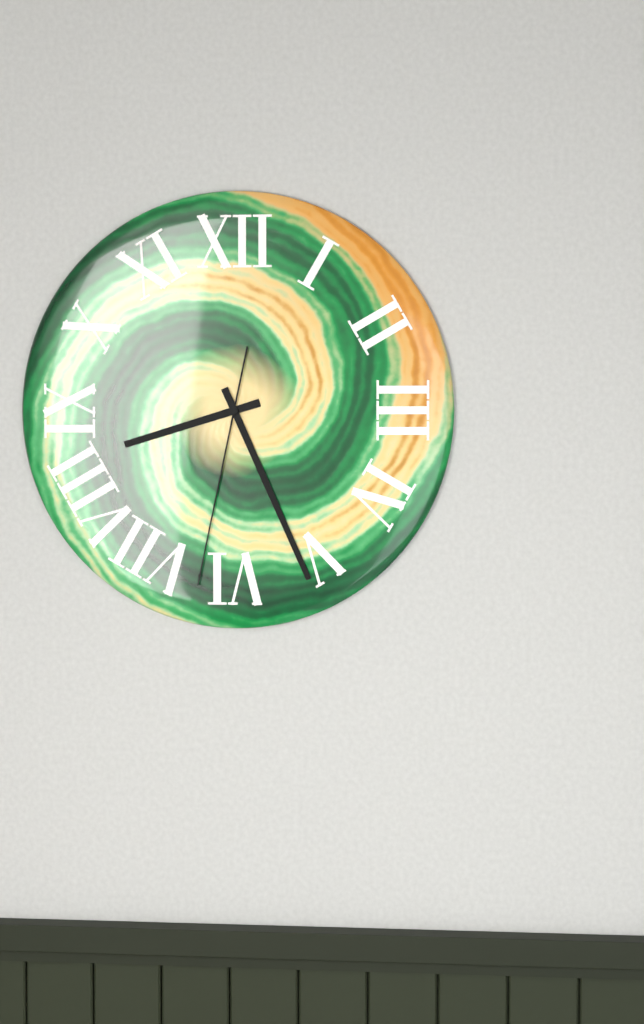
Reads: 8.26.32
